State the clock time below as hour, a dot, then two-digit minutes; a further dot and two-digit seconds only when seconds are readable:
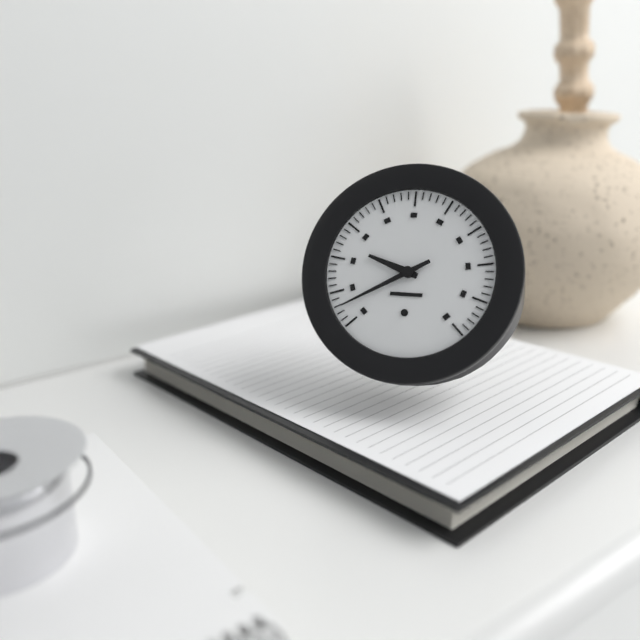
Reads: 9.40
